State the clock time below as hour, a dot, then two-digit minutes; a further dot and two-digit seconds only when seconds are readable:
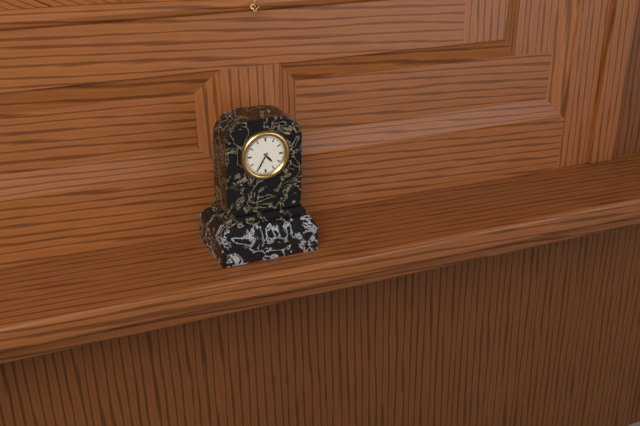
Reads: 4.35
